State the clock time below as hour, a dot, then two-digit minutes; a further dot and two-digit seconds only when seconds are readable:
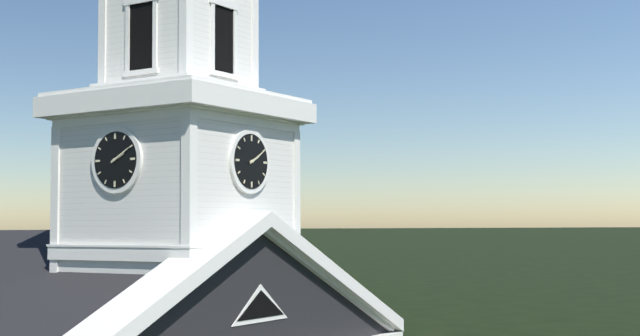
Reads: 2.10
